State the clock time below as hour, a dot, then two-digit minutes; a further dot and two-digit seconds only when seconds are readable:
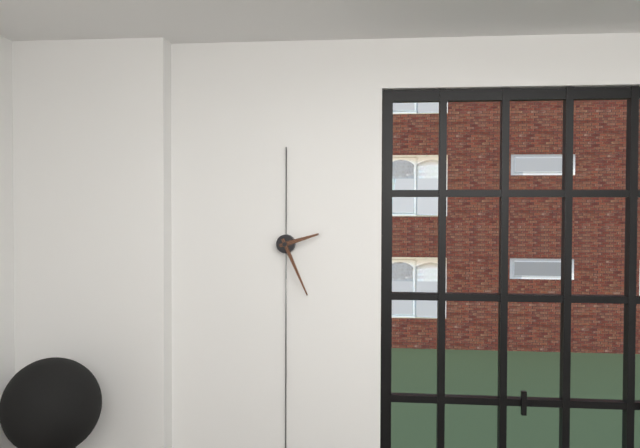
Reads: 2.26
